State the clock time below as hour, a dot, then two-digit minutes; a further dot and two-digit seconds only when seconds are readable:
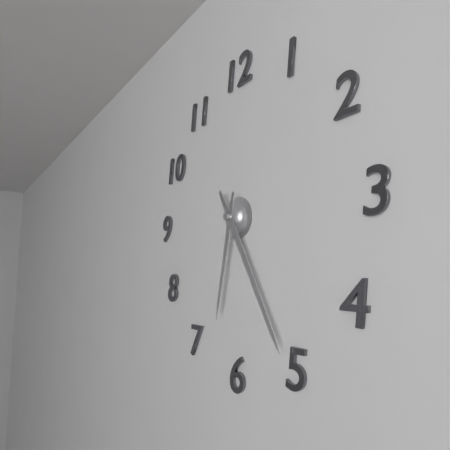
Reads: 6.25
